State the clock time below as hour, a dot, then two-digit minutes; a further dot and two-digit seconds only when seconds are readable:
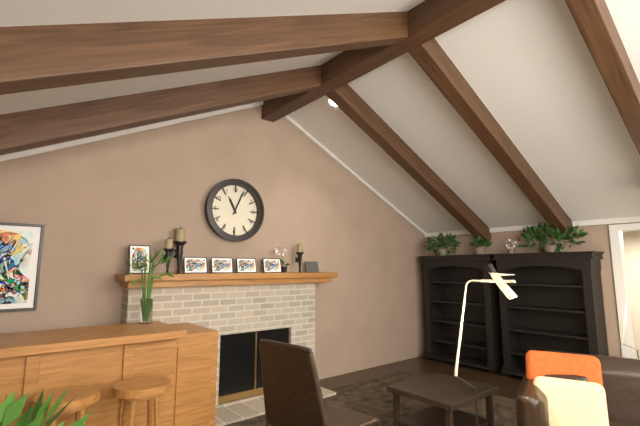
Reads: 11.04
